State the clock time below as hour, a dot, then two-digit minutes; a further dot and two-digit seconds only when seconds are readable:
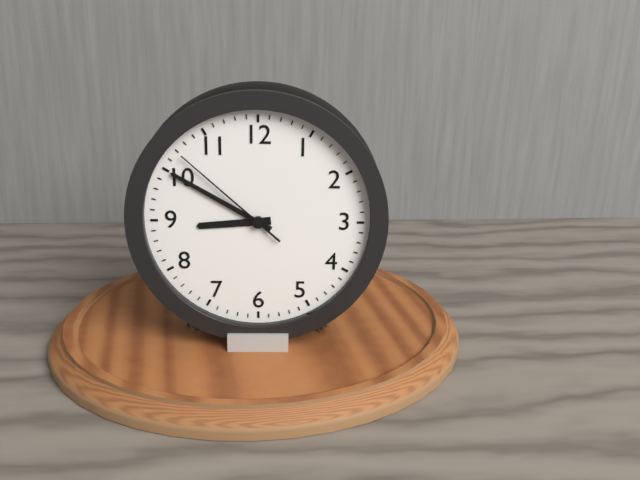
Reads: 8.50.52
